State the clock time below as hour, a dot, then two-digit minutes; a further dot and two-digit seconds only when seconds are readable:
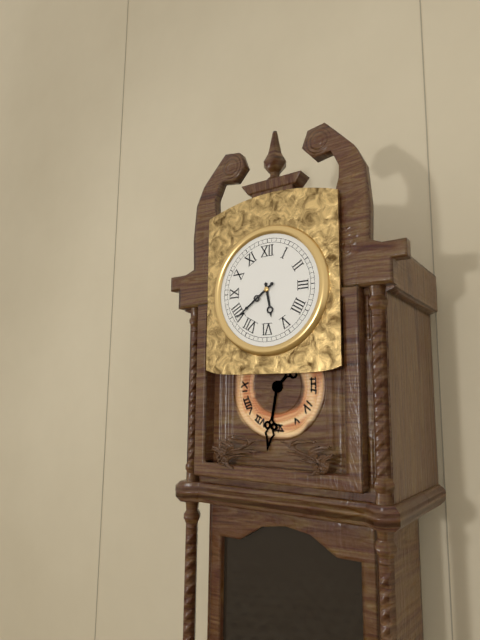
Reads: 5.39
